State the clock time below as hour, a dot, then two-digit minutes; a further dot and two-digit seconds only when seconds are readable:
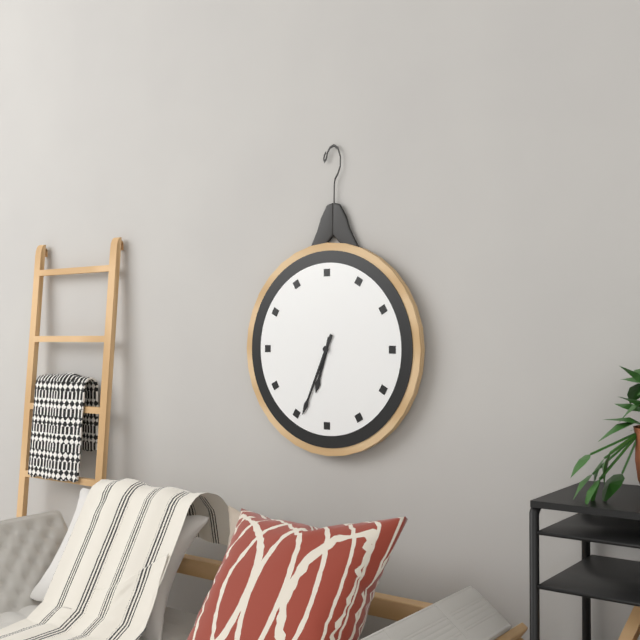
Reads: 6.34
